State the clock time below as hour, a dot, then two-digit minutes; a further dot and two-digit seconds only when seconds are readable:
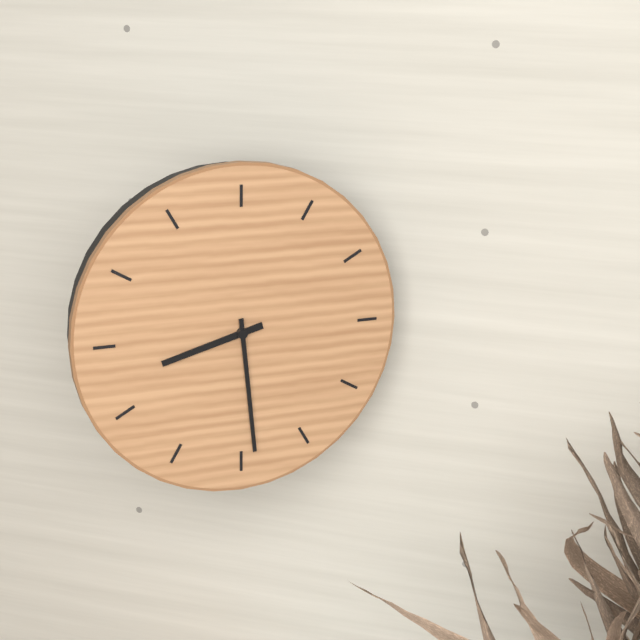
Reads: 8.29
